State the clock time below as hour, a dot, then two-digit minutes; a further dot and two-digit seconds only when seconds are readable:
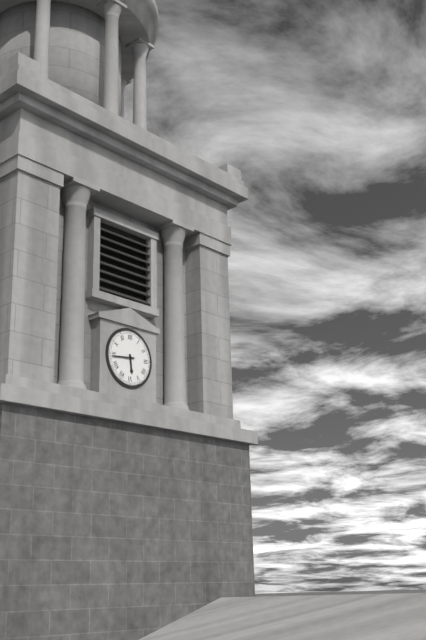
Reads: 5.44
